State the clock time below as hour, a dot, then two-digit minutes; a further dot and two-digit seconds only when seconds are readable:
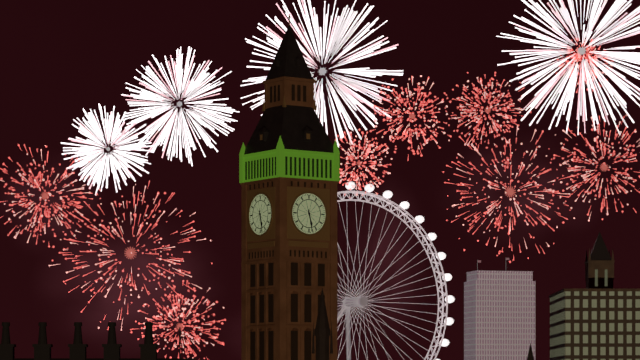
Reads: 5.28
